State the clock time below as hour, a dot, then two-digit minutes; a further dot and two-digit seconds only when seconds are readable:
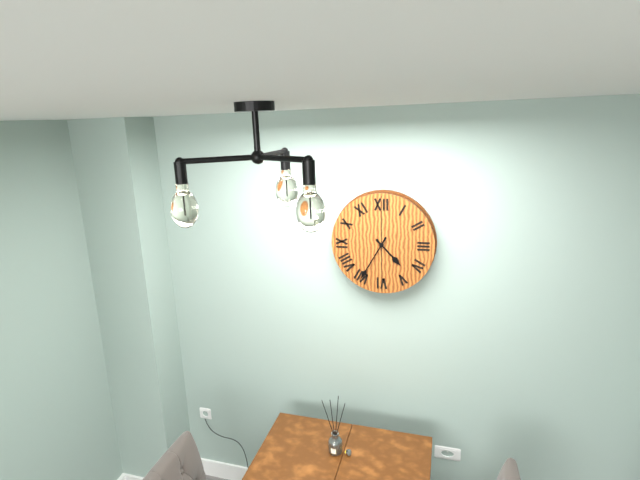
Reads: 4.35
